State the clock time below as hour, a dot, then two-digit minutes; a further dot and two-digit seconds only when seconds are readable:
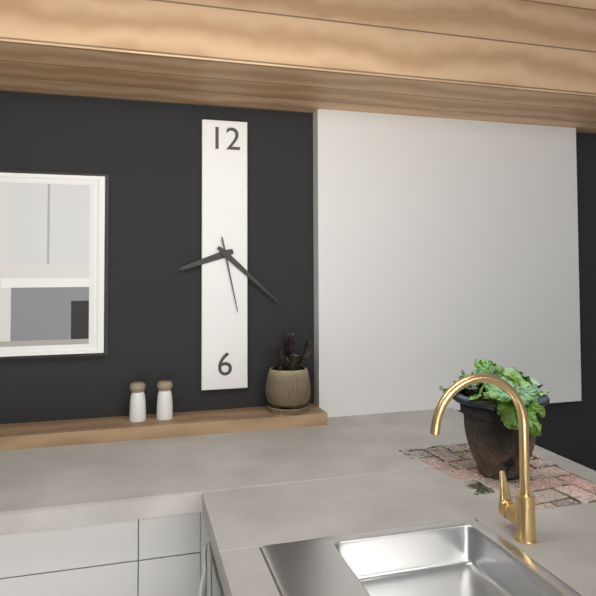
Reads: 8.22.28
